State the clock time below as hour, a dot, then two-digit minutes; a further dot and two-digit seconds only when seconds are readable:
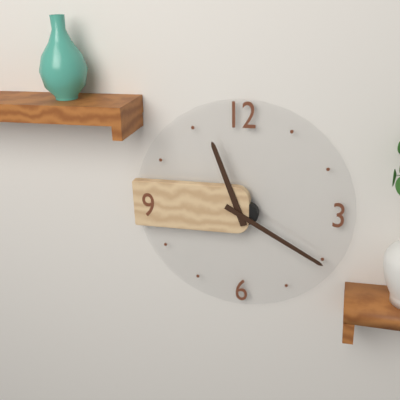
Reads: 11.20
